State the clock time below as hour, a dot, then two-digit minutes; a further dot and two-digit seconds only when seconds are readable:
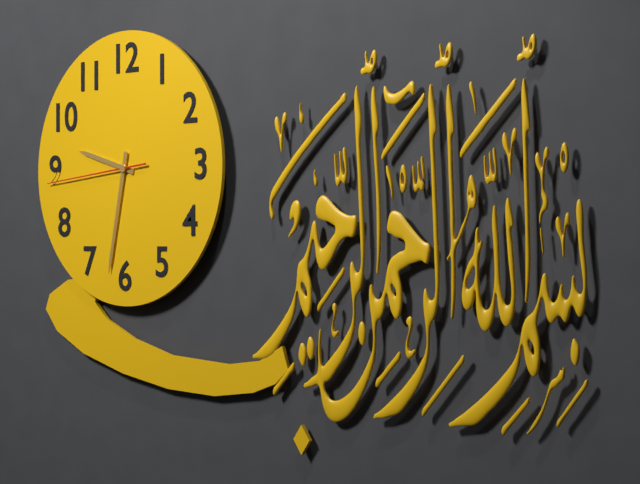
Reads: 9.32.44
